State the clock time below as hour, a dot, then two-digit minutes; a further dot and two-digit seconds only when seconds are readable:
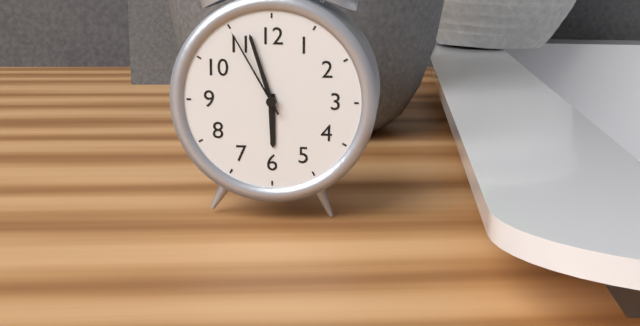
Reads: 5.57.55
